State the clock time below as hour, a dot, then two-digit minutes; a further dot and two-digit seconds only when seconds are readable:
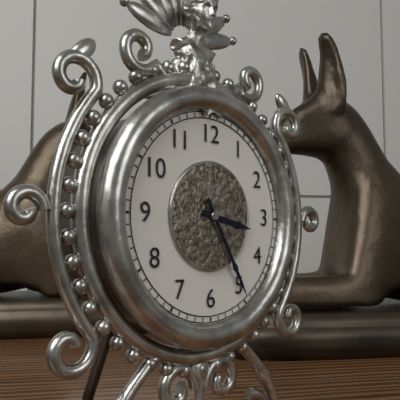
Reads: 3.25
